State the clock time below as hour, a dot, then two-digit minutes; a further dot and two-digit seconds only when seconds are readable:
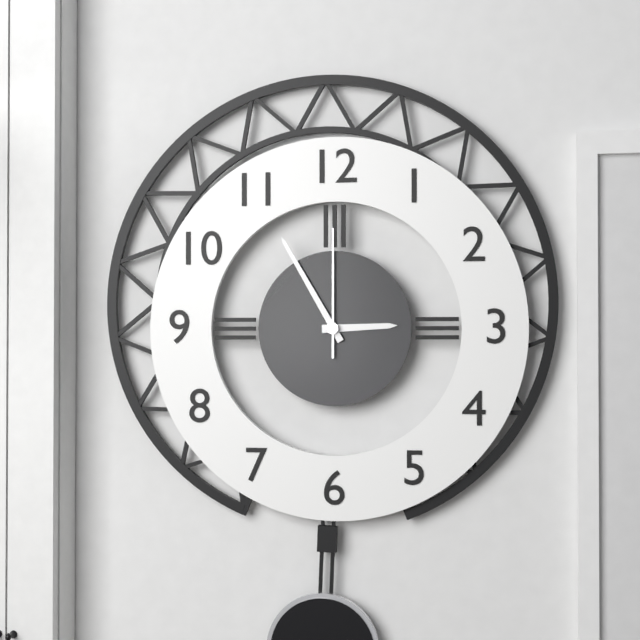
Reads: 2.55.00
